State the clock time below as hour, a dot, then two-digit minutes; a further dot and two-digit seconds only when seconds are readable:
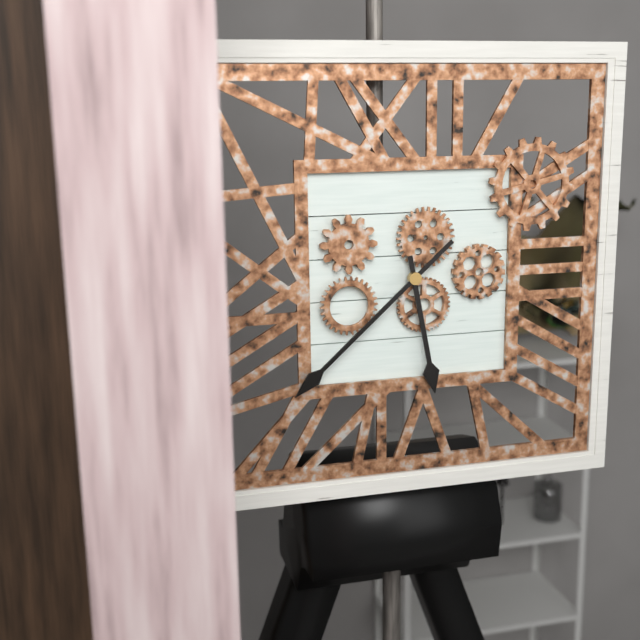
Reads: 5.38
